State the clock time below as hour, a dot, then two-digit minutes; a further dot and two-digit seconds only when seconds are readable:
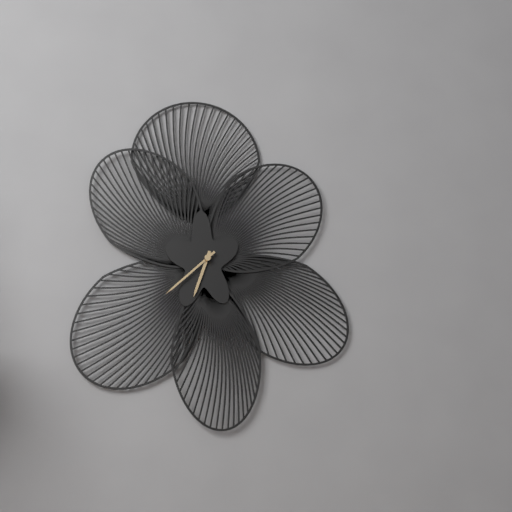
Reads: 6.38
